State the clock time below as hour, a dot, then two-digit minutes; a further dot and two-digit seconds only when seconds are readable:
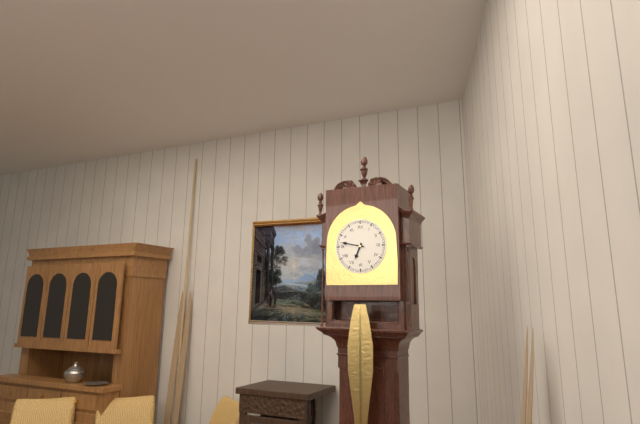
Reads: 6.47
